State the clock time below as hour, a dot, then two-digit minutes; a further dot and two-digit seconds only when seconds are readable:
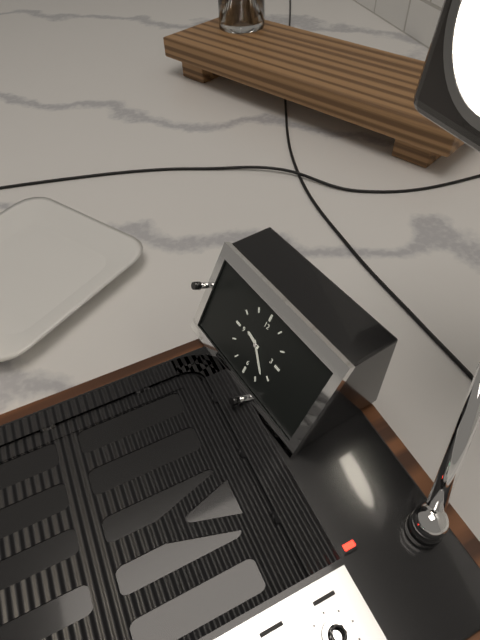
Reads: 9.22
